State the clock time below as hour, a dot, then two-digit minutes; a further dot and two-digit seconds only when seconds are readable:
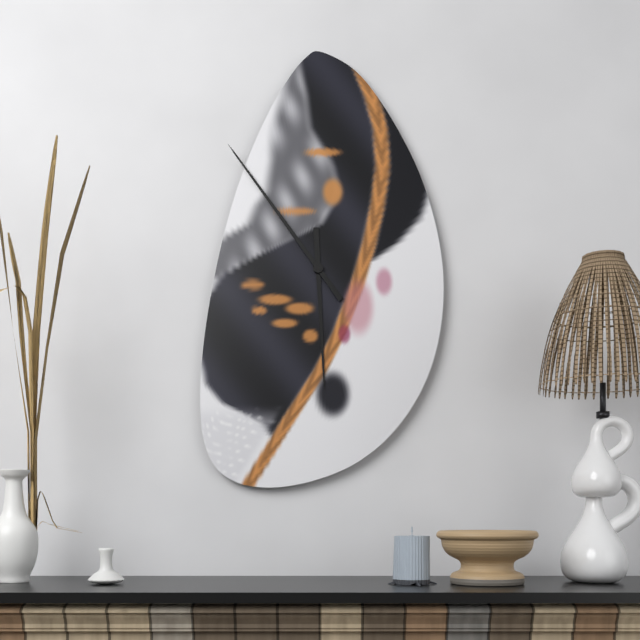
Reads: 5.54
